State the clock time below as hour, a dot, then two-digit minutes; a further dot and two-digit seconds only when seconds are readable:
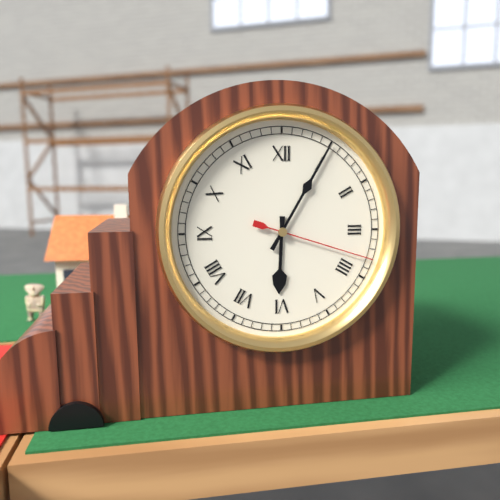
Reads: 6.05.18
